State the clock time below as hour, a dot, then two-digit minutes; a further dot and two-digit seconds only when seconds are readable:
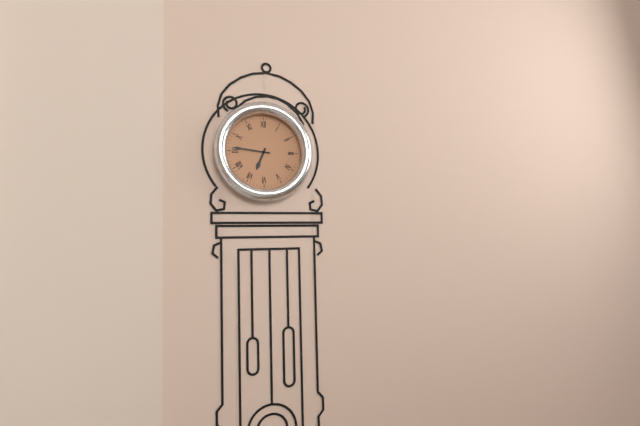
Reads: 6.46
